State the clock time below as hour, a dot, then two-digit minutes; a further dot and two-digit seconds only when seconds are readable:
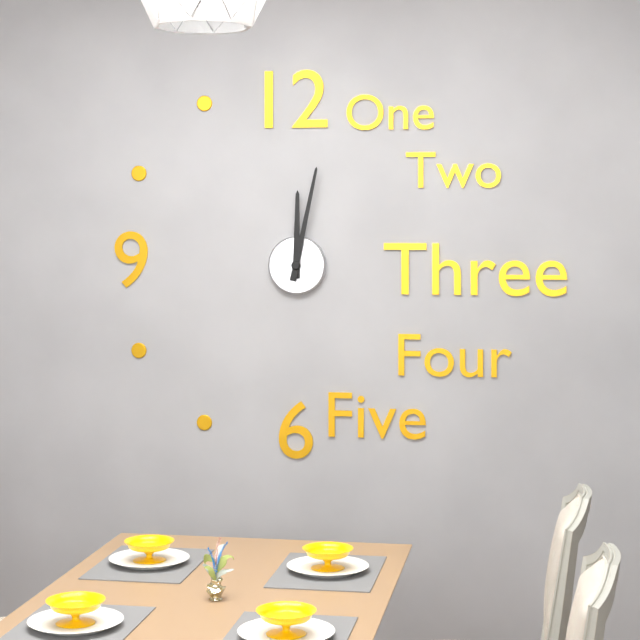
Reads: 12.02
